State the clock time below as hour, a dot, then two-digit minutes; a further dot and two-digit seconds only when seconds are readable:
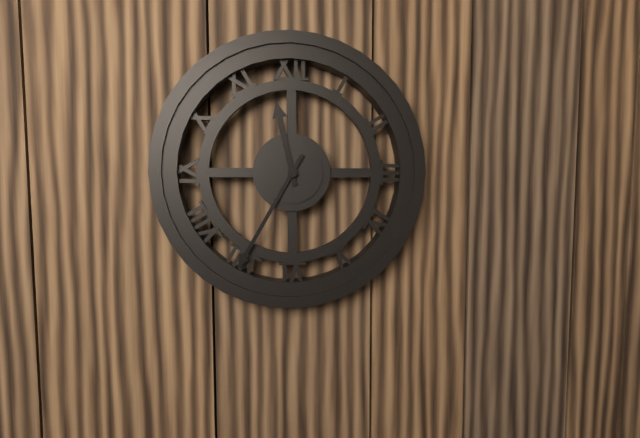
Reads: 11.35
